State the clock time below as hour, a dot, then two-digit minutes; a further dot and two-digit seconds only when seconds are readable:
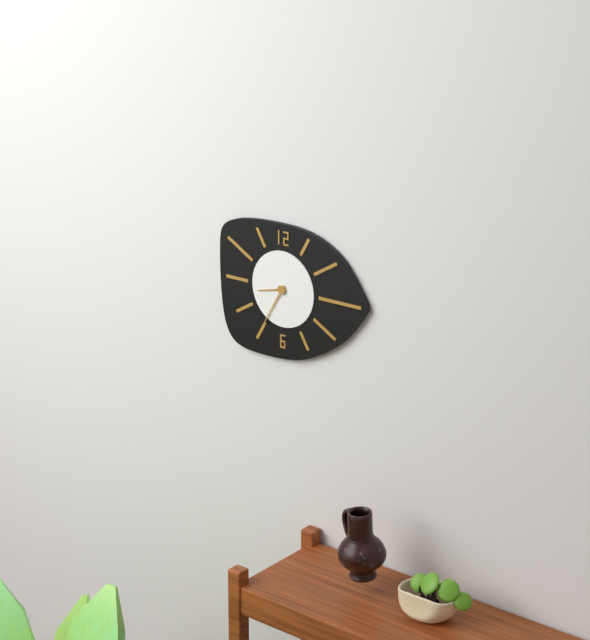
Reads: 8.35
